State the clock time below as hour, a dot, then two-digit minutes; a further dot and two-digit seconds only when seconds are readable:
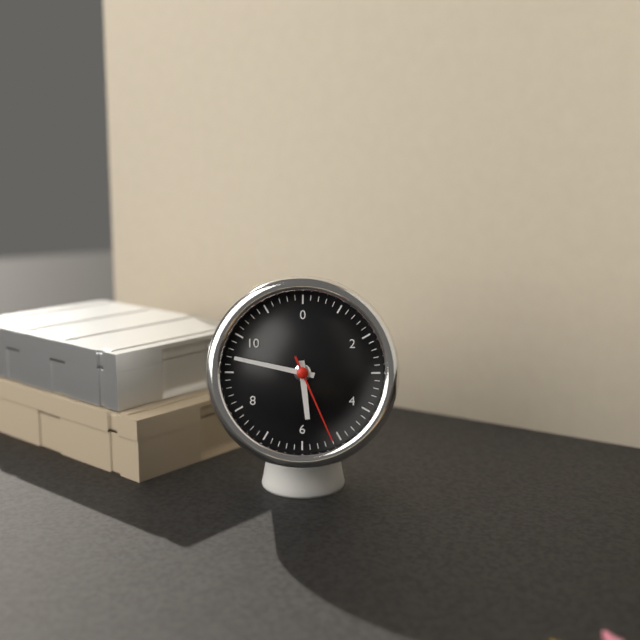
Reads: 5.47.26
